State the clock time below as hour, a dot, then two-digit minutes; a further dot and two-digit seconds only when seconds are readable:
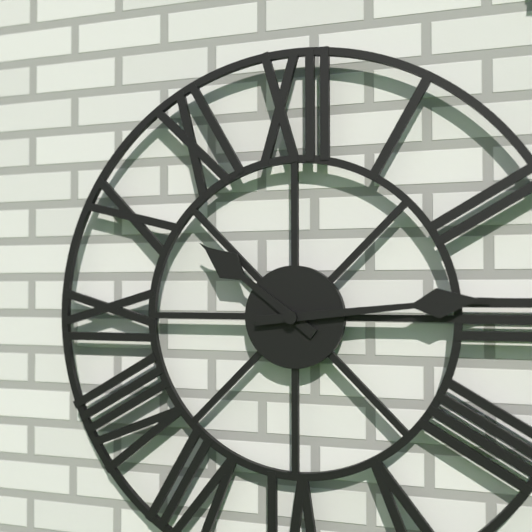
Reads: 10.14
